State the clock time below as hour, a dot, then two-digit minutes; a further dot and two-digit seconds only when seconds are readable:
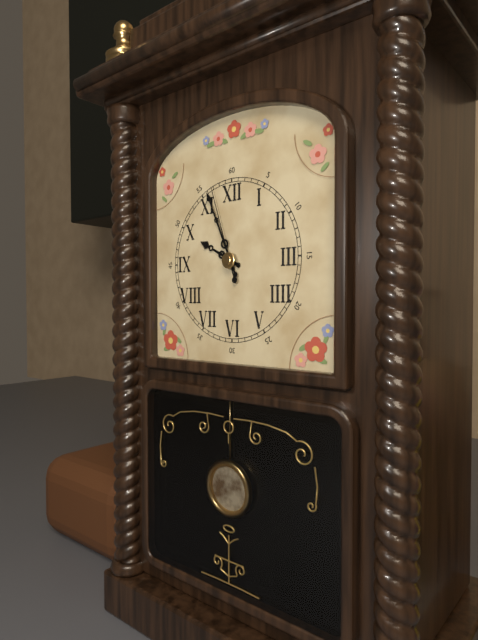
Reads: 9.56.57
